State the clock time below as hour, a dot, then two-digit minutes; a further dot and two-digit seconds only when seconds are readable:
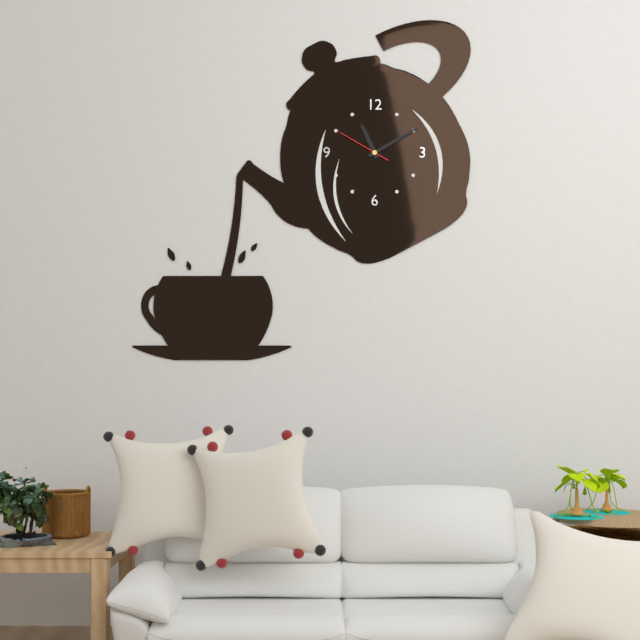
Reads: 11.10.50
